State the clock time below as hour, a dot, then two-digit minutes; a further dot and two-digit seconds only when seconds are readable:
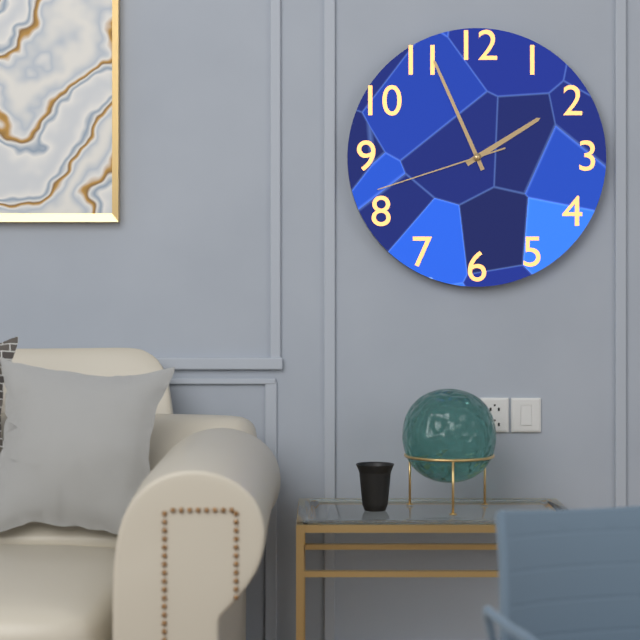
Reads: 1.56.42
